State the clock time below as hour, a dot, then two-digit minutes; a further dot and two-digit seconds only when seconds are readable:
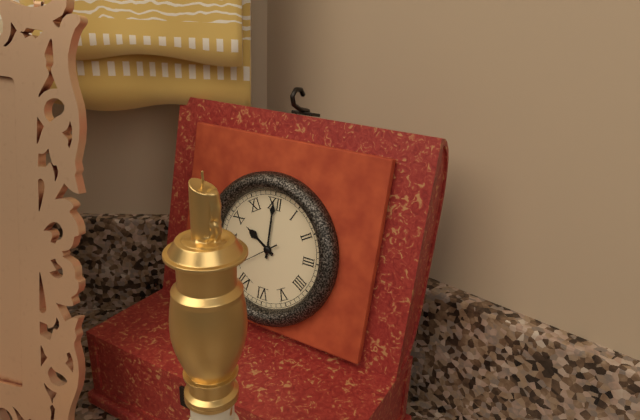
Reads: 10.00
